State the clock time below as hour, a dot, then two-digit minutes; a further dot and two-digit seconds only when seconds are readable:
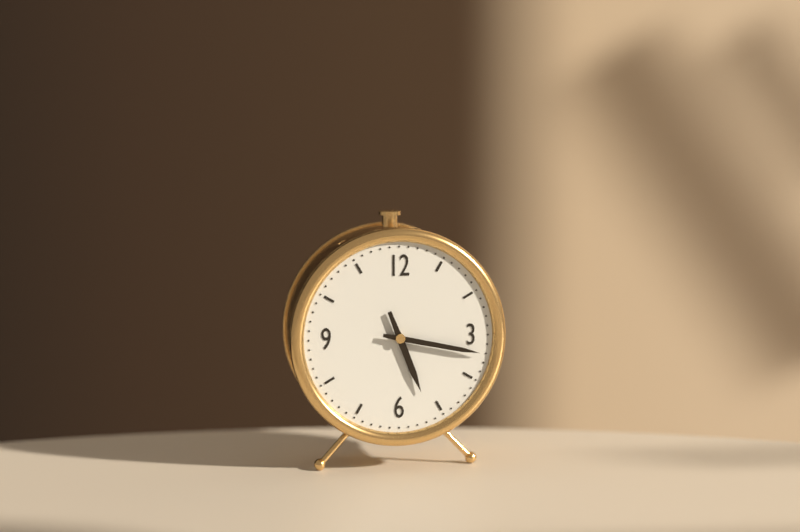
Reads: 5.17
